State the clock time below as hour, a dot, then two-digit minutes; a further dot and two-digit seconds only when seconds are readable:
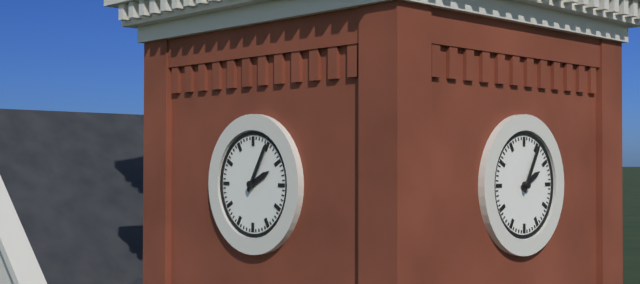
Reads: 2.05
